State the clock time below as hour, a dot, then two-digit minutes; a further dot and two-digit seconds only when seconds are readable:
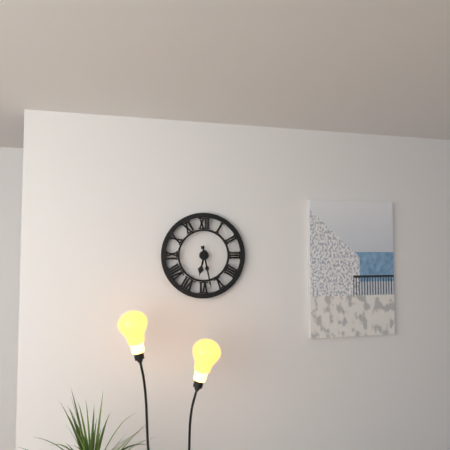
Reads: 6.28
